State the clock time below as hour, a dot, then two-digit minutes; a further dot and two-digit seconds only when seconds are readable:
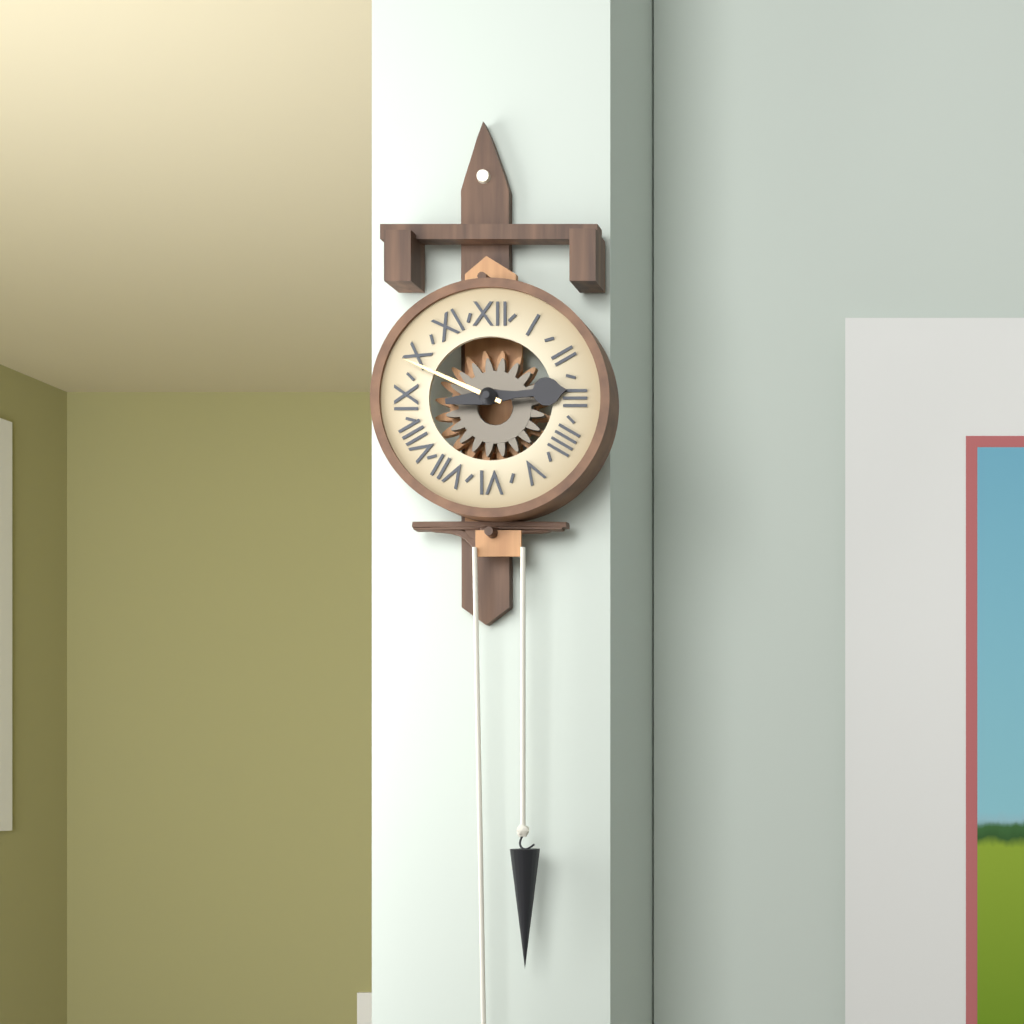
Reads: 2.49
